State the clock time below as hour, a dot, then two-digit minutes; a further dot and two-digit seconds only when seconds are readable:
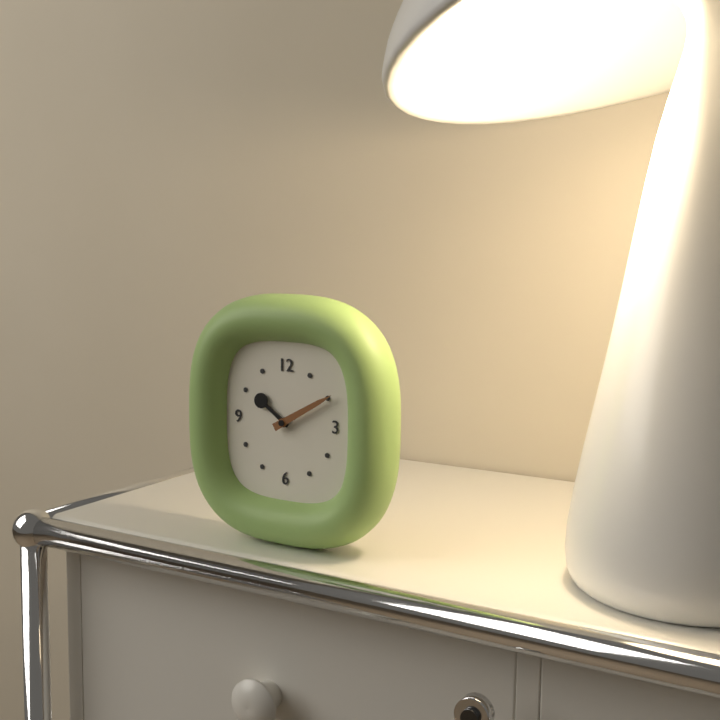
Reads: 10.10
